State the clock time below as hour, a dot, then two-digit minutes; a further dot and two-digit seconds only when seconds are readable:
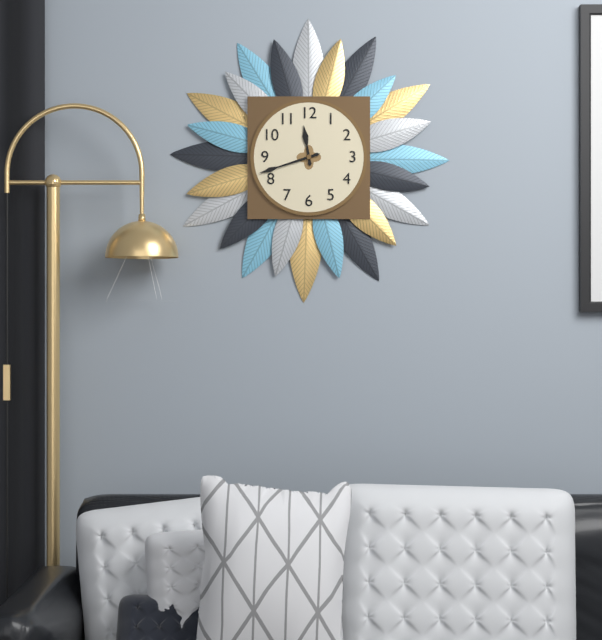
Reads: 11.42
